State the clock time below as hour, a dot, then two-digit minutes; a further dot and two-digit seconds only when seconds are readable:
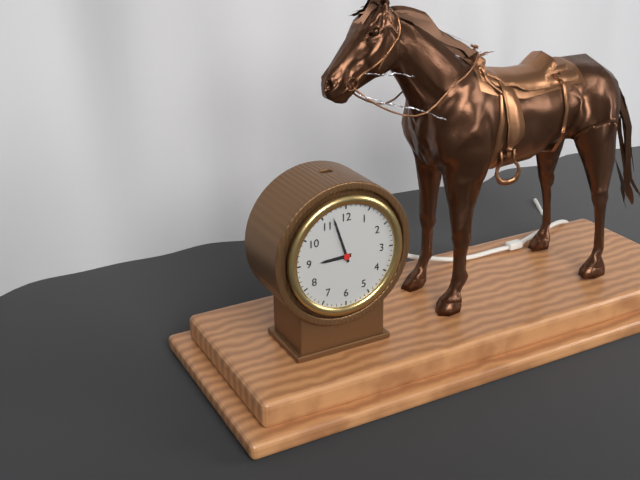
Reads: 8.57
